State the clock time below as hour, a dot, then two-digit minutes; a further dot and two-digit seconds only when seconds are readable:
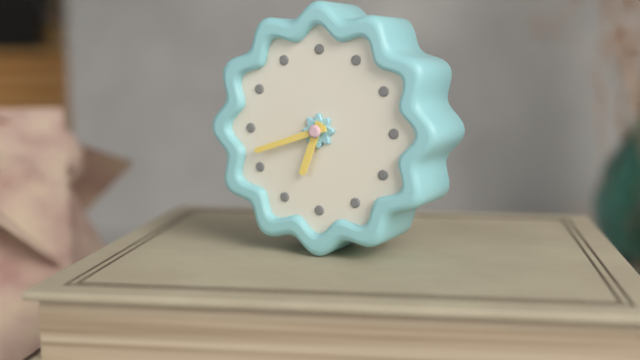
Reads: 6.42
